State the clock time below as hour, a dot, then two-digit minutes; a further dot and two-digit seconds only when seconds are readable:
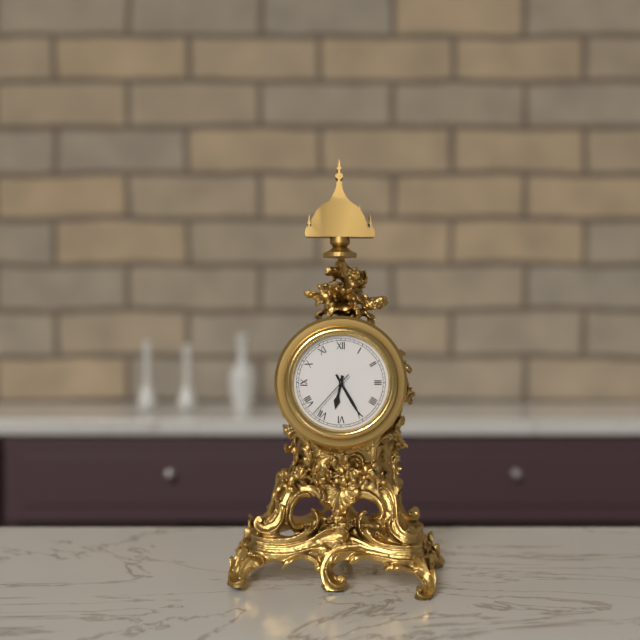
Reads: 6.25.37
